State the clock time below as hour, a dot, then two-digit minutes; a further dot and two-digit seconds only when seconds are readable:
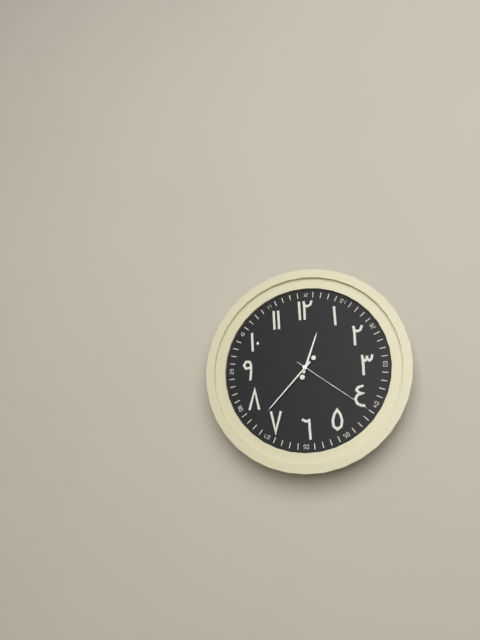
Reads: 12.37.21
